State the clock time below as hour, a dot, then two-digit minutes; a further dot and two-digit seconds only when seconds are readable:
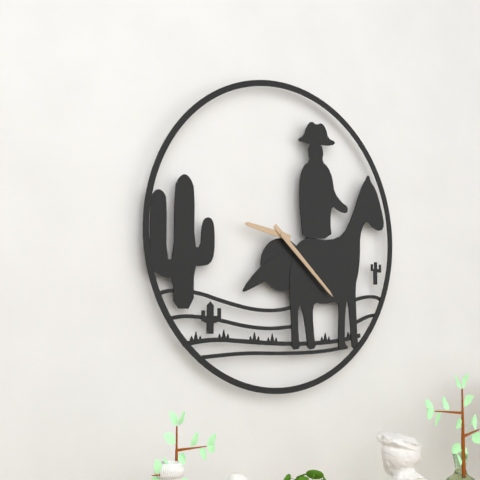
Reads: 9.22
